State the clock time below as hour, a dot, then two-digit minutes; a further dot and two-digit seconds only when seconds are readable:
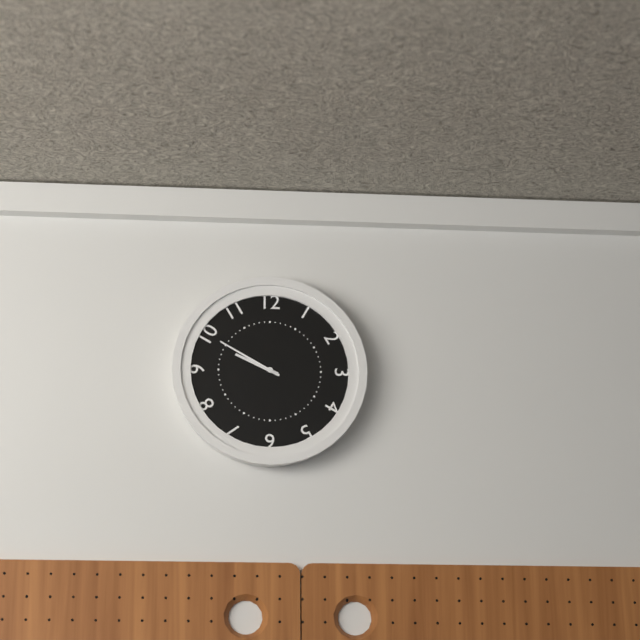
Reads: 9.50
